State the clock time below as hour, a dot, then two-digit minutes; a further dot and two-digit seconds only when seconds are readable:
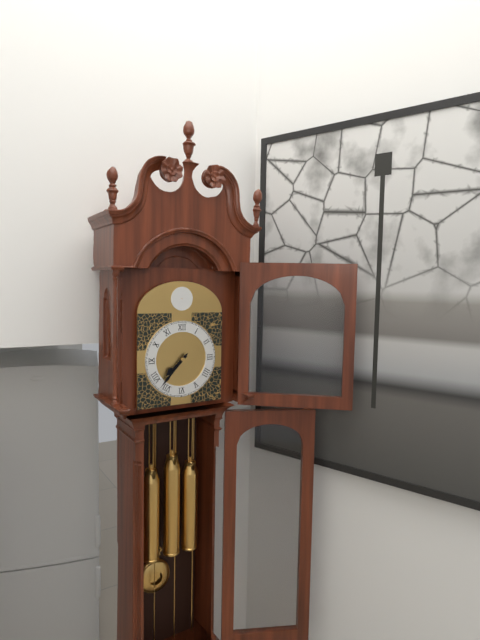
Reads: 7.37
